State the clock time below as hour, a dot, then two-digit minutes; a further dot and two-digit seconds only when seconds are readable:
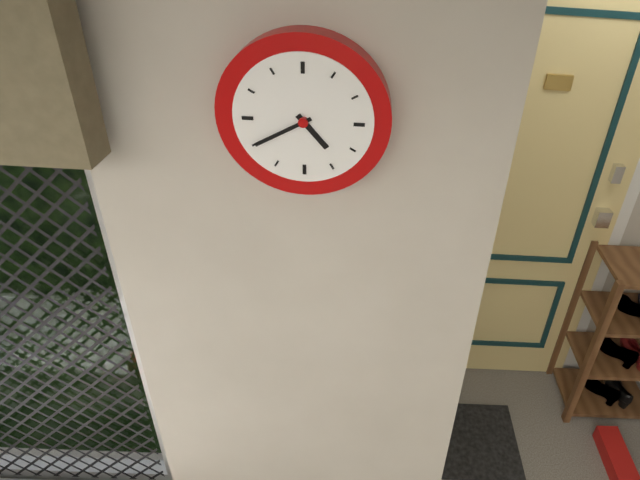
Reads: 4.40
